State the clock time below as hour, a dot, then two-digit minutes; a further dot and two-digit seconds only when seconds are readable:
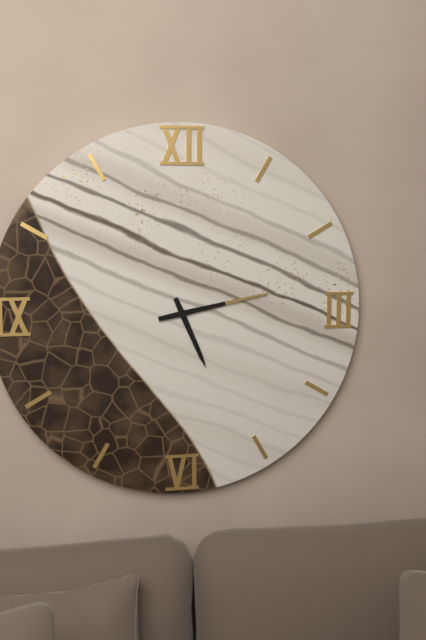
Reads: 5.13
